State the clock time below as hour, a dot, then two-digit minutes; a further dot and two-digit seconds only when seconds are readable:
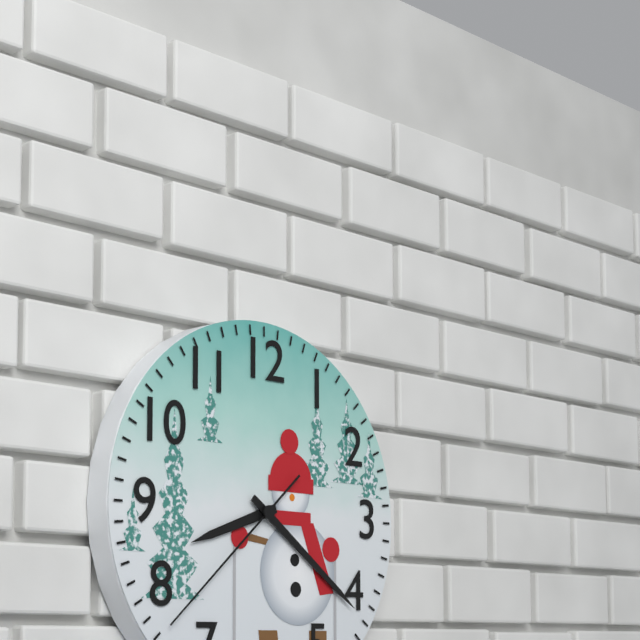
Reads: 8.21.38
